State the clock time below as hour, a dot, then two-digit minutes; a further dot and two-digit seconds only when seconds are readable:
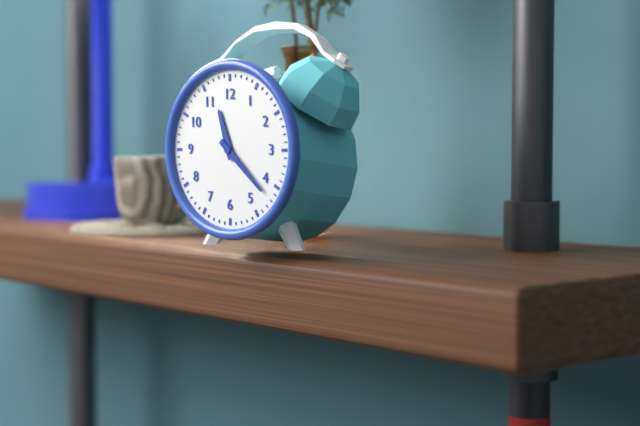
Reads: 11.22
